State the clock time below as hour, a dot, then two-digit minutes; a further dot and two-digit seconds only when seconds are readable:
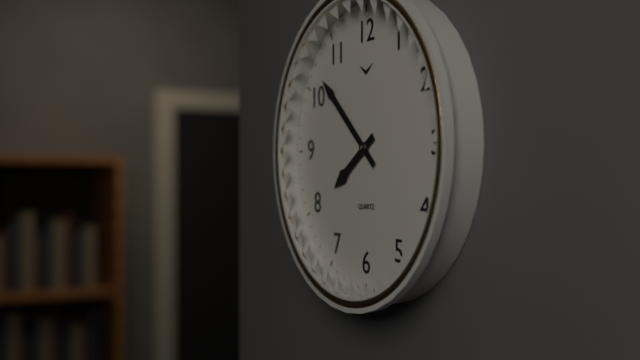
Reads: 7.52
